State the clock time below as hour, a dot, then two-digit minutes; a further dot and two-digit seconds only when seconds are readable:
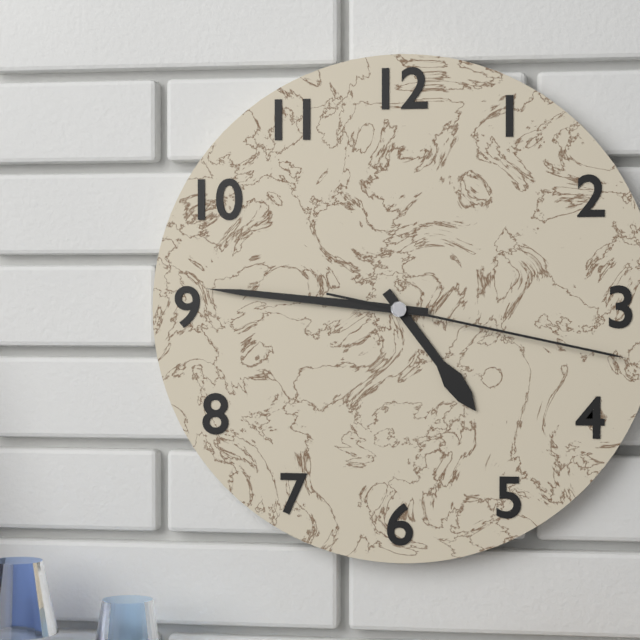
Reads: 4.46.17
